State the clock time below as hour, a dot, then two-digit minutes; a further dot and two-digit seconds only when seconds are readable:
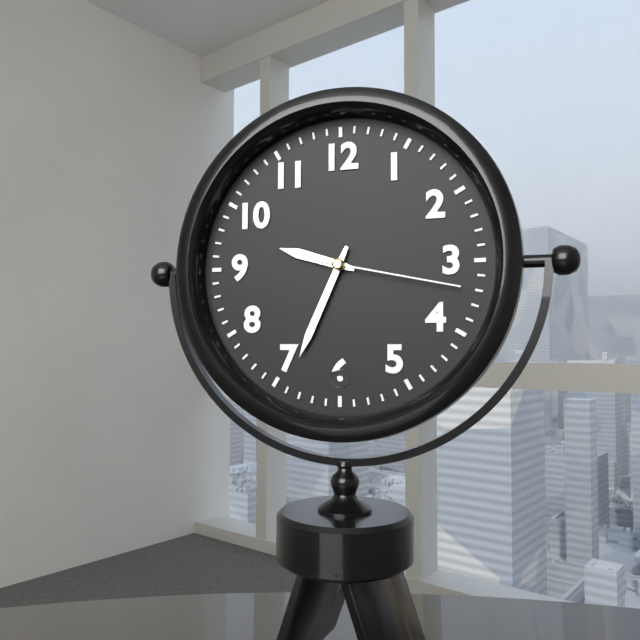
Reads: 9.34.17
